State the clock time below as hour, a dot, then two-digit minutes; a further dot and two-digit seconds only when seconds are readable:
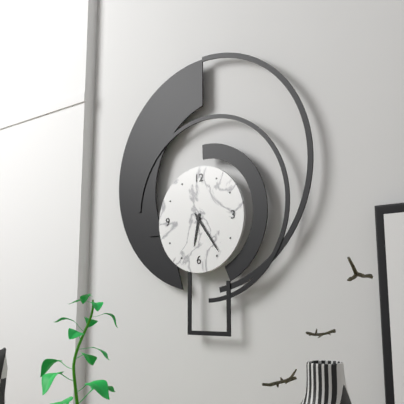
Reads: 6.24
